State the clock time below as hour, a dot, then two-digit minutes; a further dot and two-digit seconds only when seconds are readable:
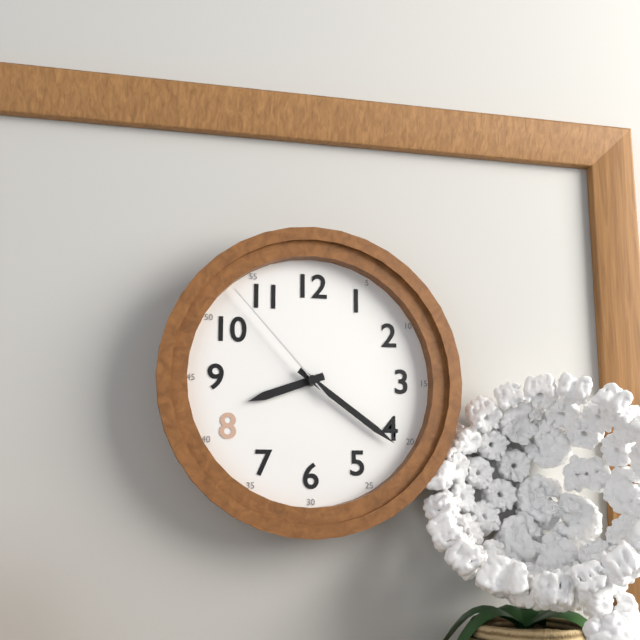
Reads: 8.21.53
